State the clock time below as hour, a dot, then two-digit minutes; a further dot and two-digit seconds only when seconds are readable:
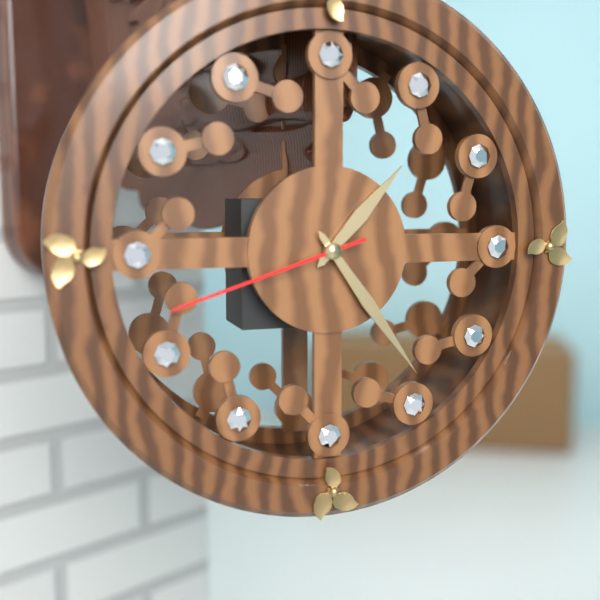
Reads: 1.24.42
